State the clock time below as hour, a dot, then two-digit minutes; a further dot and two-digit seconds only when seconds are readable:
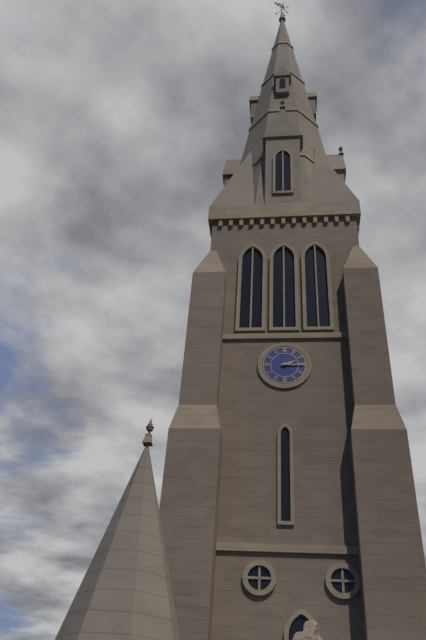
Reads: 2.15
